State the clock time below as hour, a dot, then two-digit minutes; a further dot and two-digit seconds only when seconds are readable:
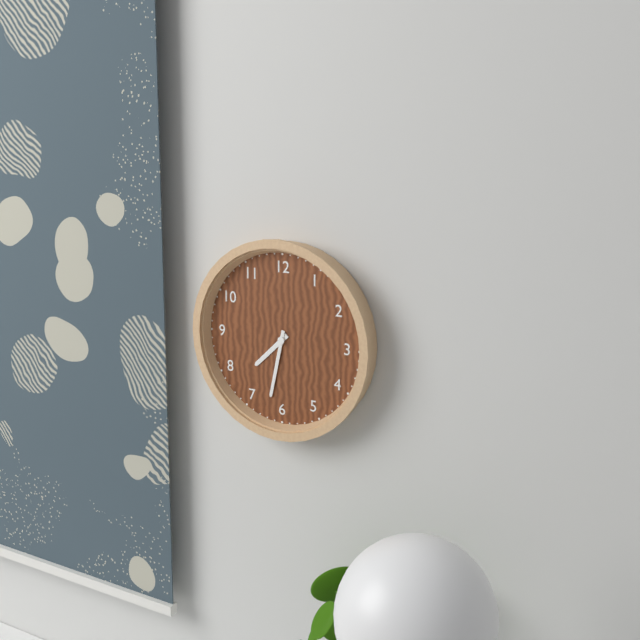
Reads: 7.32
